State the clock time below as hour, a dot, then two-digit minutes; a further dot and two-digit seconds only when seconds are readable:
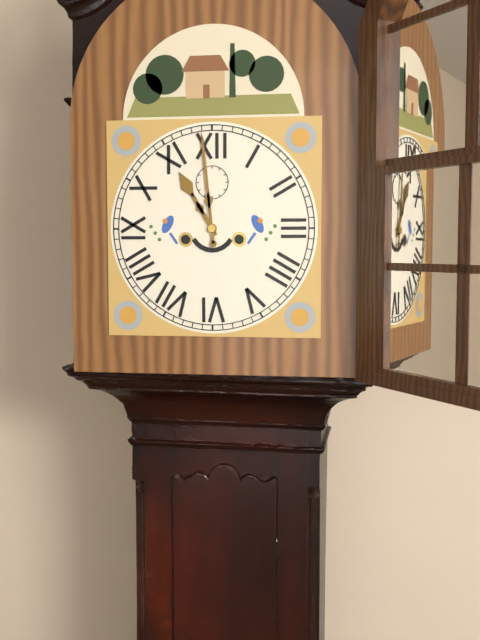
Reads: 10.59
